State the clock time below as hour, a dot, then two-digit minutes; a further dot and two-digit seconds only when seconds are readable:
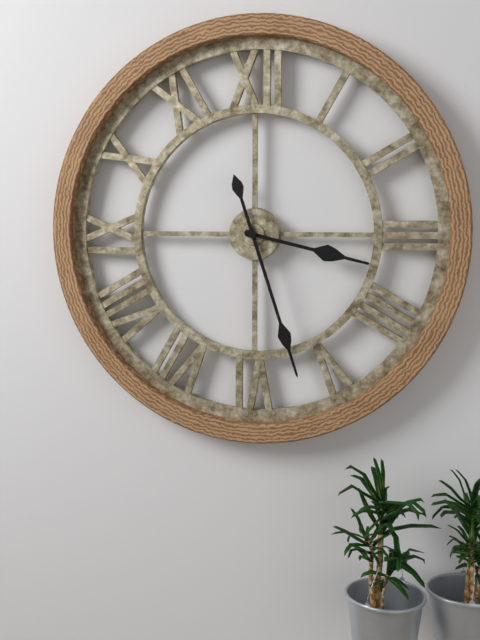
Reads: 3.27
